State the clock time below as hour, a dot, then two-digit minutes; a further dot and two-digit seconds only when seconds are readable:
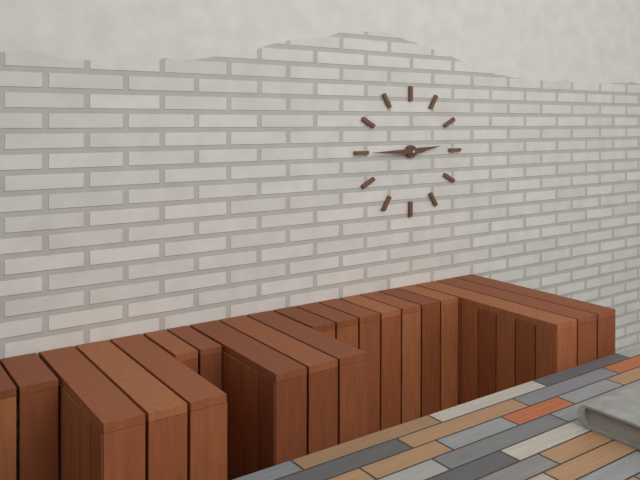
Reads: 2.45
